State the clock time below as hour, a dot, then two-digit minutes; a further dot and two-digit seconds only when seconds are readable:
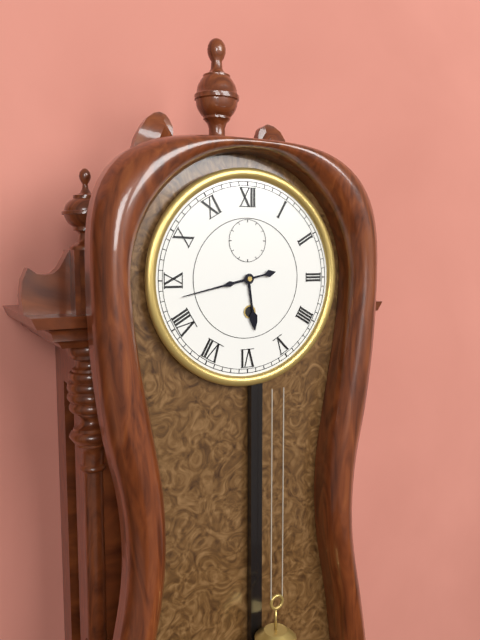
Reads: 5.43
